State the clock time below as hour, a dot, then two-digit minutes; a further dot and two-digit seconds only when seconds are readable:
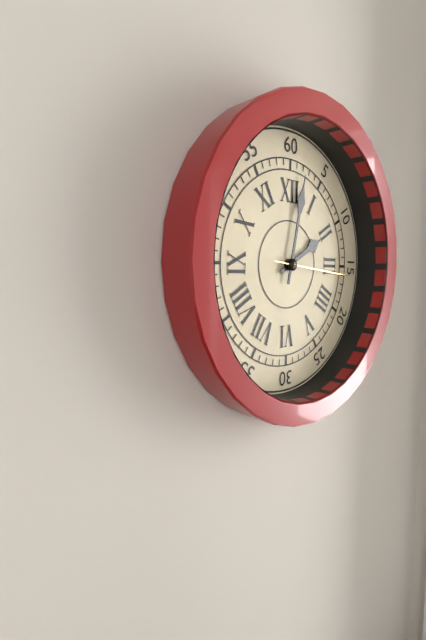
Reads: 2.02.16
